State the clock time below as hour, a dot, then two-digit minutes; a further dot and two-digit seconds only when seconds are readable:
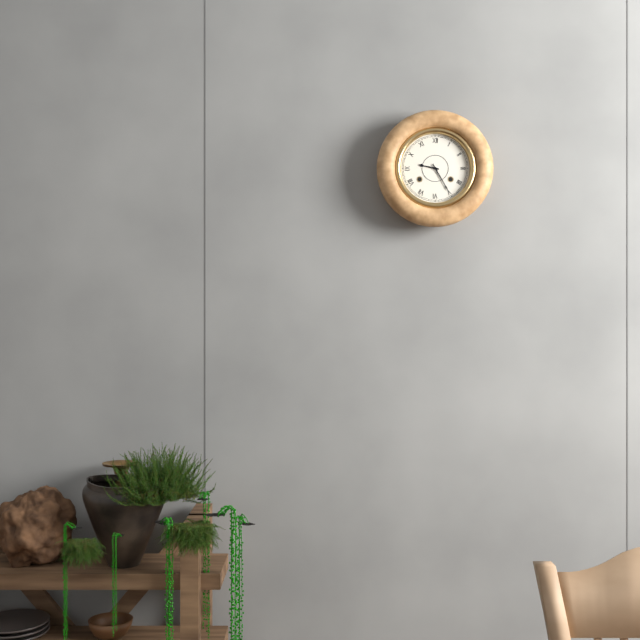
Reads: 9.25
